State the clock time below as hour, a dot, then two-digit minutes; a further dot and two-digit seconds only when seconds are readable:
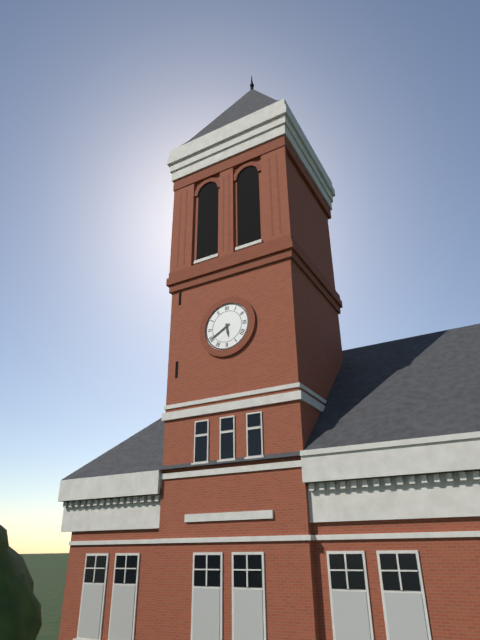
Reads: 5.40
